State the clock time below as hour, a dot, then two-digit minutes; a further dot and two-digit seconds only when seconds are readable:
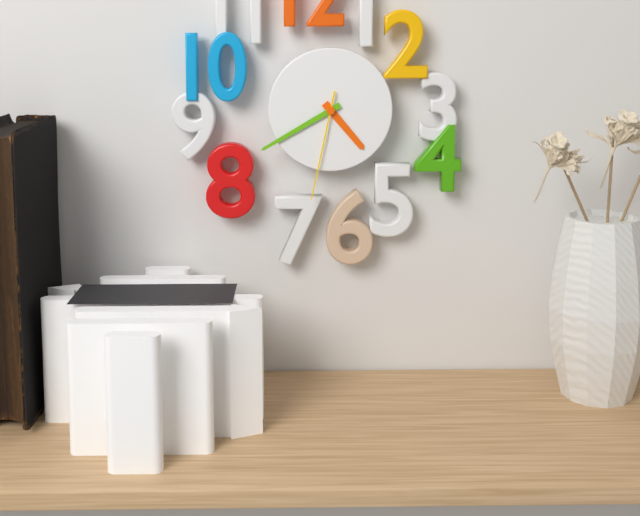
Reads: 4.40.32
